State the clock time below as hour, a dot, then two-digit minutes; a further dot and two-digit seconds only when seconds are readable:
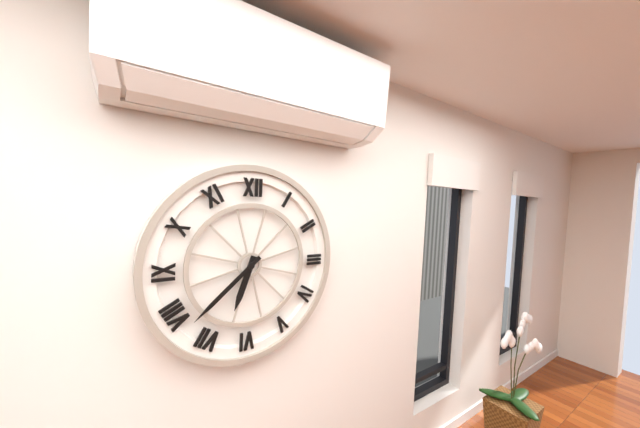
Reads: 6.38
